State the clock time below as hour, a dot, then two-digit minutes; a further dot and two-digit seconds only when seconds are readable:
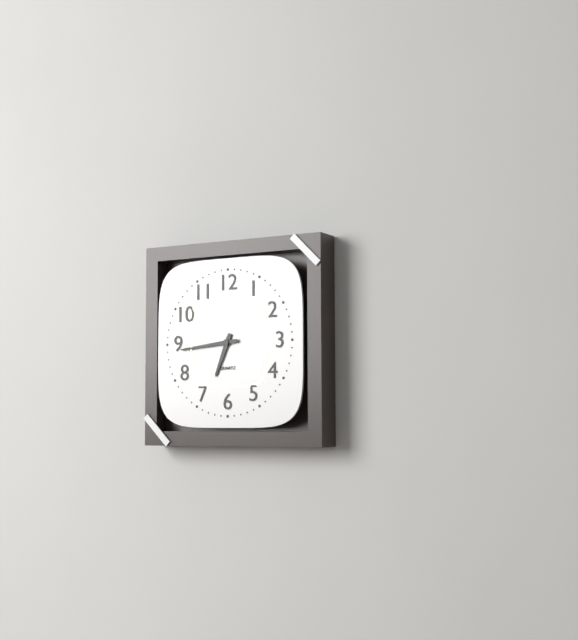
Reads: 6.44
